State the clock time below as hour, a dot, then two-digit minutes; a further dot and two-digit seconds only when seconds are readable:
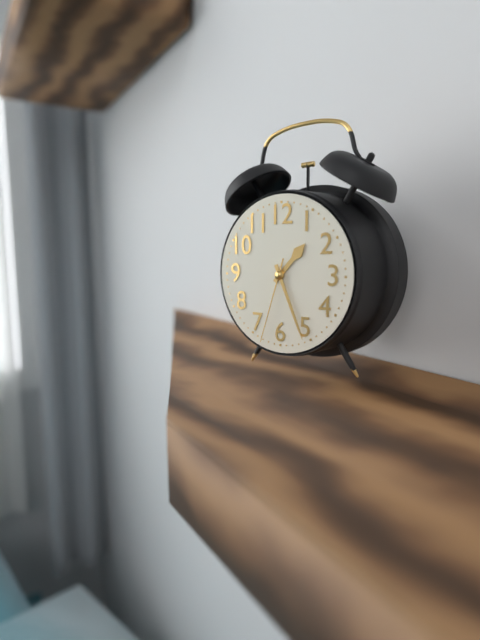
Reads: 1.26.33
